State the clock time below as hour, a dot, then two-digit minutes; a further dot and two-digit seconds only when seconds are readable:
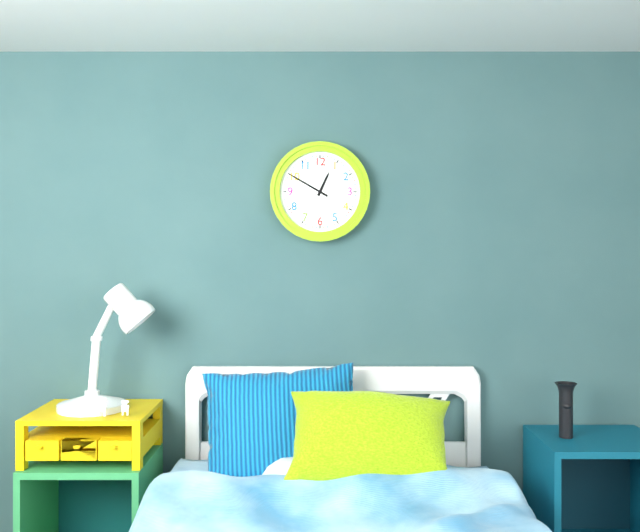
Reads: 12.50
